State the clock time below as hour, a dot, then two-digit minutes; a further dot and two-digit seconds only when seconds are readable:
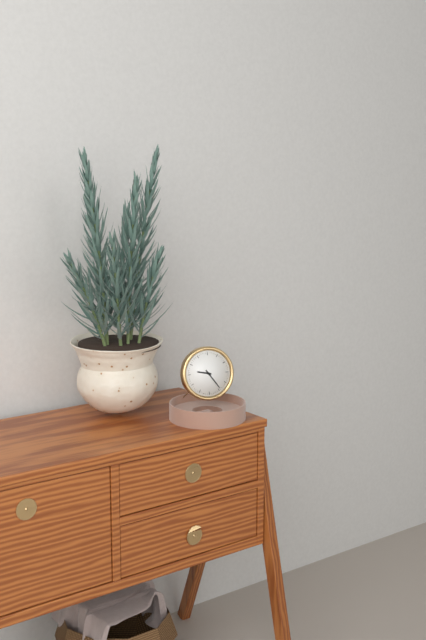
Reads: 9.24
